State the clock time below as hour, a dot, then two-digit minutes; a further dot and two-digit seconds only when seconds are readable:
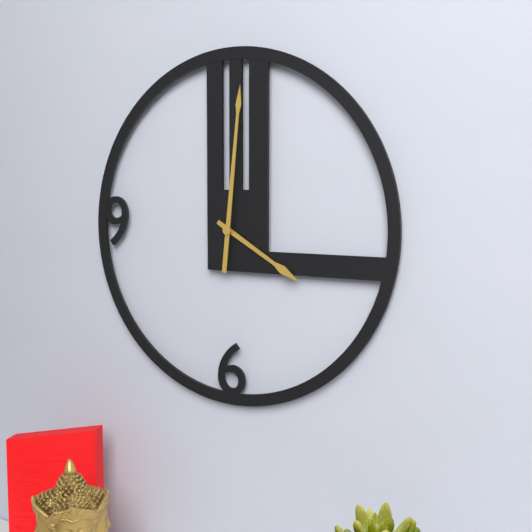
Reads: 4.01
